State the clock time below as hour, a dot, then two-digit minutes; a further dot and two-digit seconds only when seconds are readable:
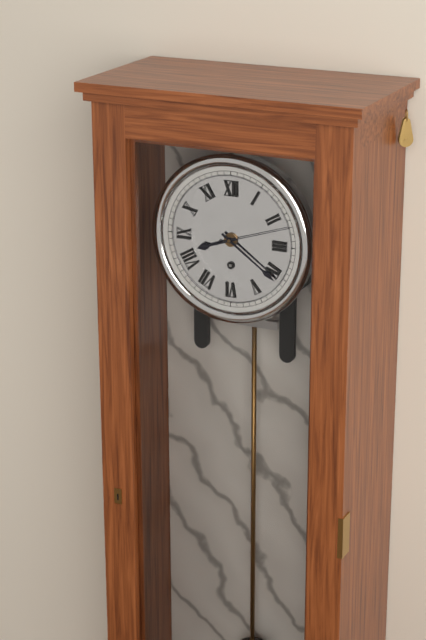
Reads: 8.21.12
